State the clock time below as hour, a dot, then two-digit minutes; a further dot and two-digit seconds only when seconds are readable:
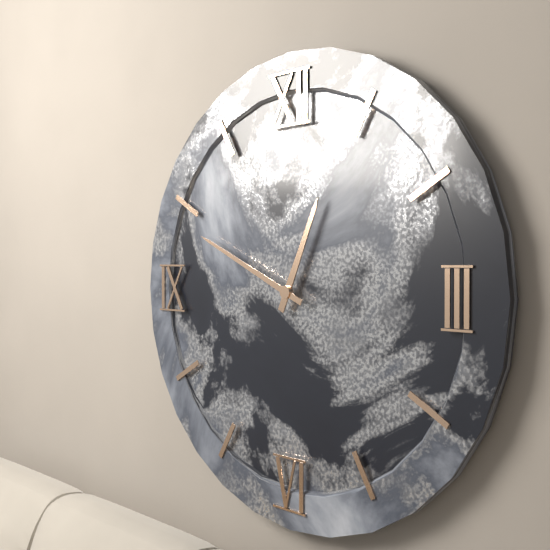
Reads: 12.49
